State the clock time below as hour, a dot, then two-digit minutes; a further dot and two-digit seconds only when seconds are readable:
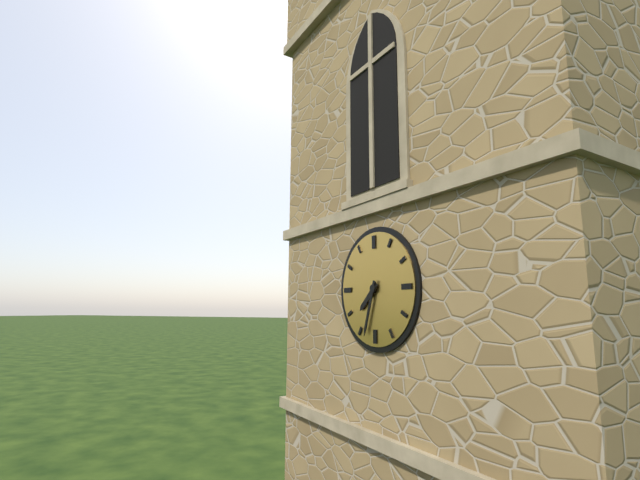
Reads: 7.33
